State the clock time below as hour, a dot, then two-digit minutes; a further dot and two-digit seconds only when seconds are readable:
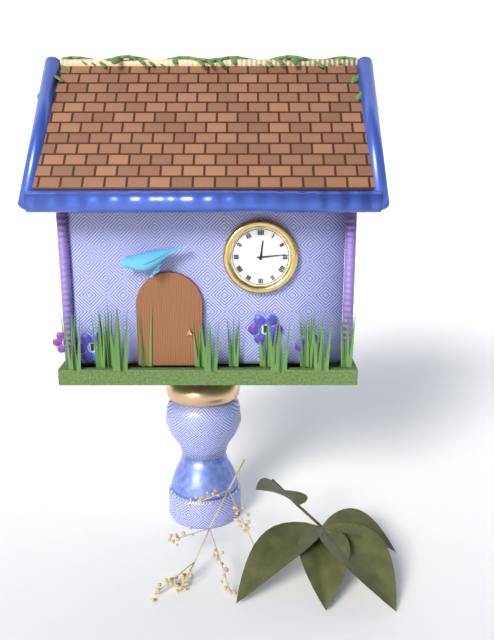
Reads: 12.14
